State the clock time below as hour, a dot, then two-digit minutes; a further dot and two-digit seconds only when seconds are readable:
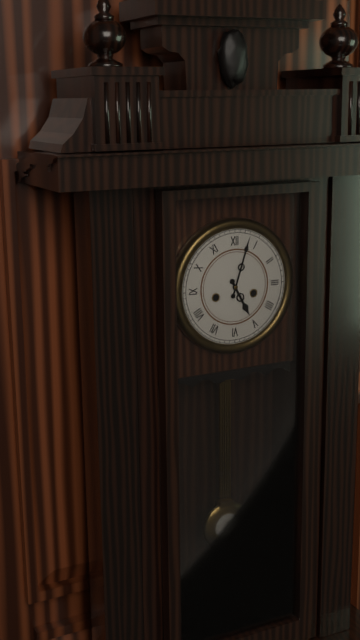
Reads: 5.03
